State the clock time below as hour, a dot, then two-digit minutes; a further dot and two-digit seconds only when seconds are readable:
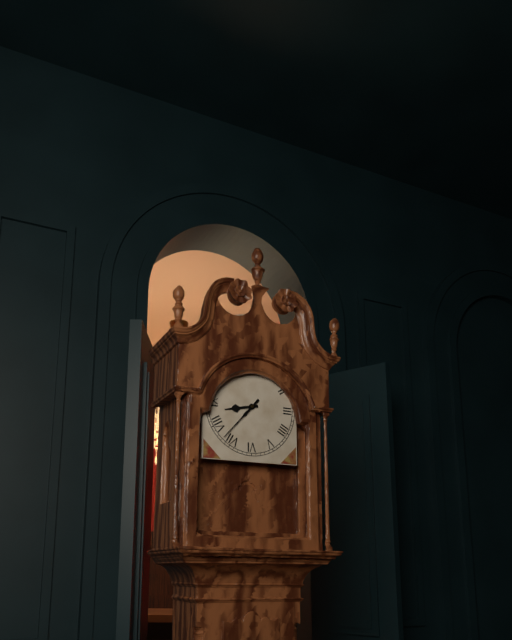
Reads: 8.37
